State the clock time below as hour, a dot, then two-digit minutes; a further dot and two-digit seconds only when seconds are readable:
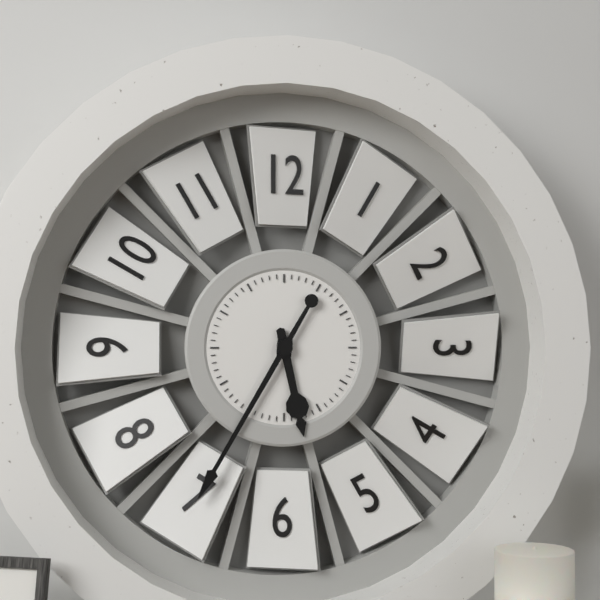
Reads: 5.35
